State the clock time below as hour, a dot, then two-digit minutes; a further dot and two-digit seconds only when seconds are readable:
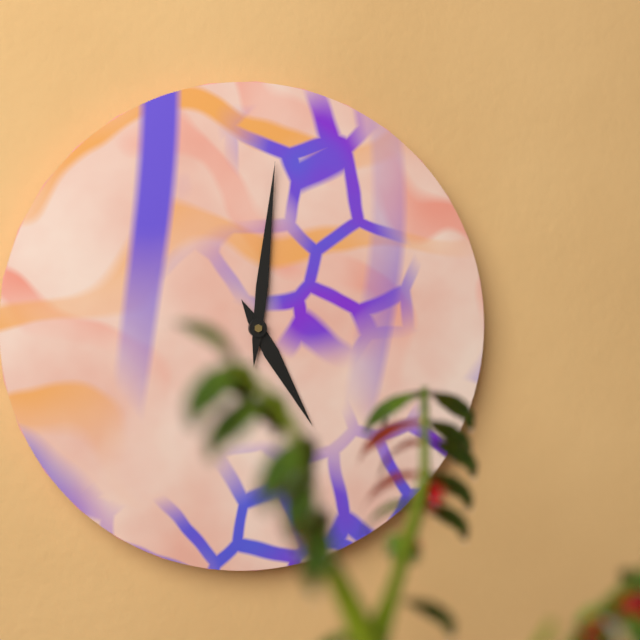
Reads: 5.01
